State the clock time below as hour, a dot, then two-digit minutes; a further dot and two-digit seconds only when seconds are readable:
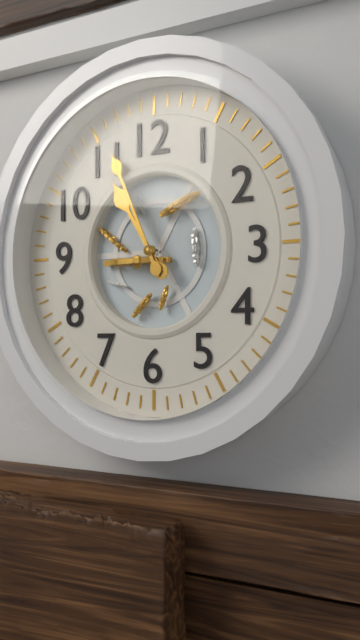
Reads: 10.56
